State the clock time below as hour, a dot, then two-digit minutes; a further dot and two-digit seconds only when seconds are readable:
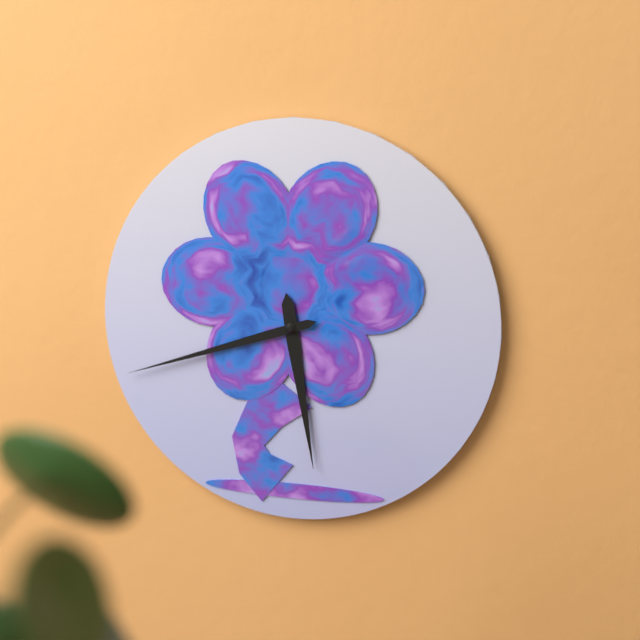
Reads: 5.42
